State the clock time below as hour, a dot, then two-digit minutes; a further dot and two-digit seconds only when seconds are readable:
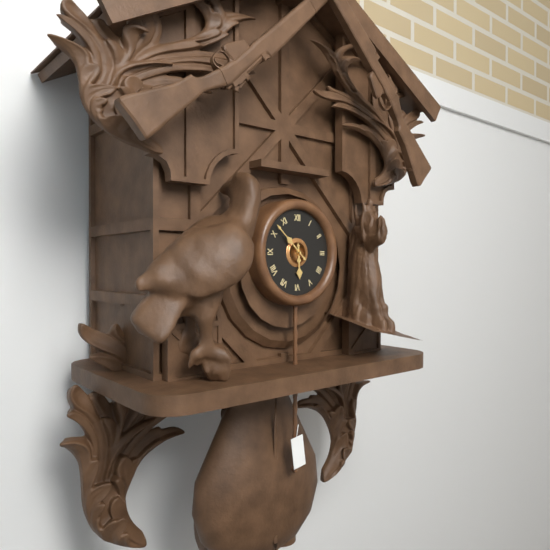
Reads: 5.52
